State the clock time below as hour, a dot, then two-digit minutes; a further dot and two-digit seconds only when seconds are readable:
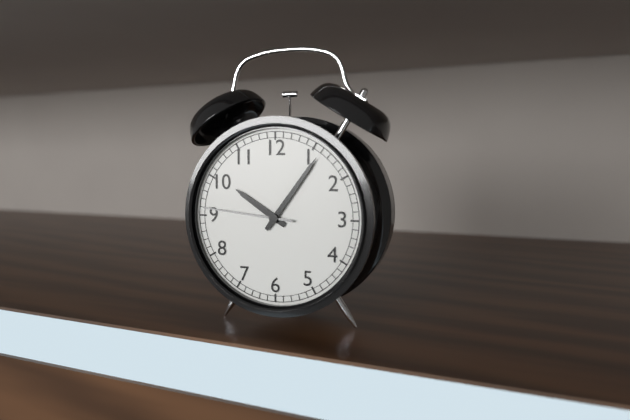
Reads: 10.06.46
